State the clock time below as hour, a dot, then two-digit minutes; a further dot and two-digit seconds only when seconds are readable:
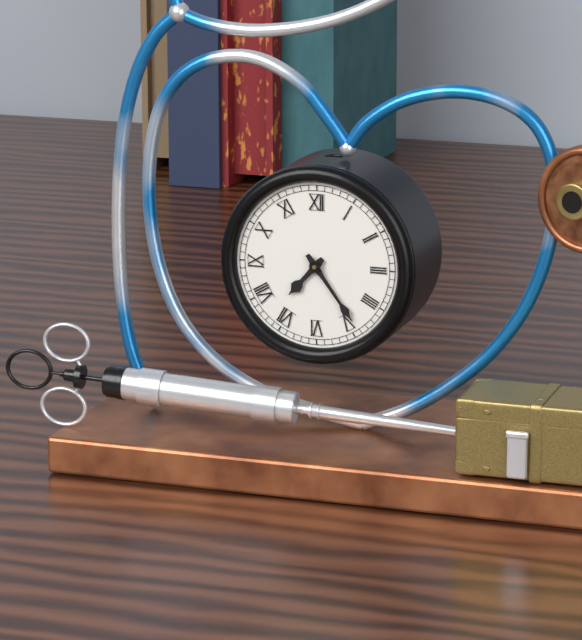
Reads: 7.24
